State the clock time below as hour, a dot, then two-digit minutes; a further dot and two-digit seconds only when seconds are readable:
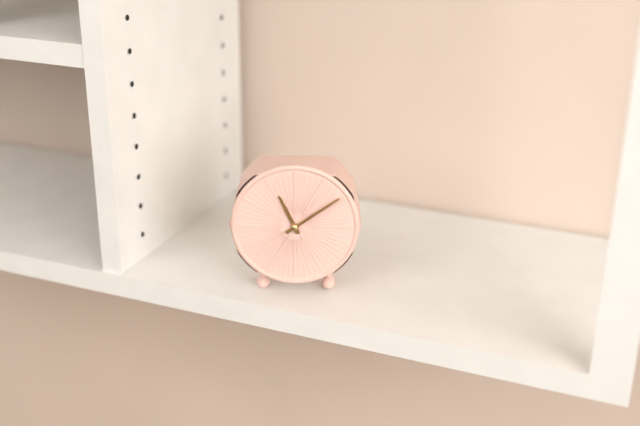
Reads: 11.09
